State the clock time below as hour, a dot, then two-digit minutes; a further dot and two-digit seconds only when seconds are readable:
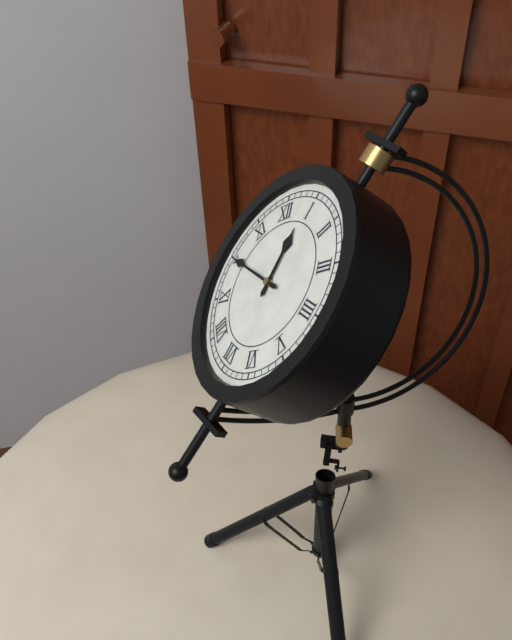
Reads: 12.50
